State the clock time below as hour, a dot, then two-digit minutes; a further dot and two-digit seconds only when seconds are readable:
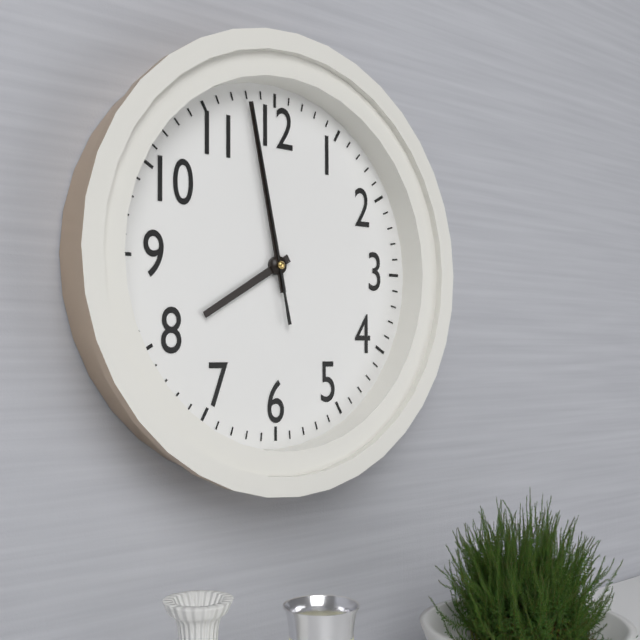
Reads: 7.58.58
